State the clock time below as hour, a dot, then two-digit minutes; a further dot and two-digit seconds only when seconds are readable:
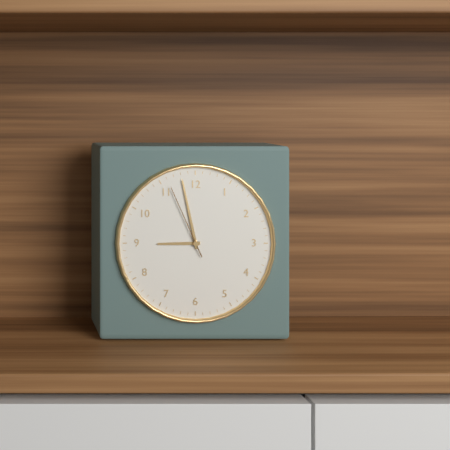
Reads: 8.58.56
